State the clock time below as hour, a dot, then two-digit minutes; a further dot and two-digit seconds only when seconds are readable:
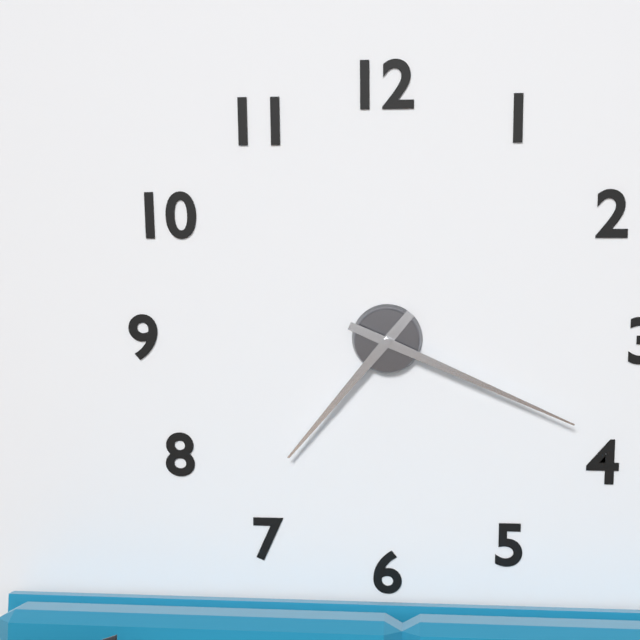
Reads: 7.19
